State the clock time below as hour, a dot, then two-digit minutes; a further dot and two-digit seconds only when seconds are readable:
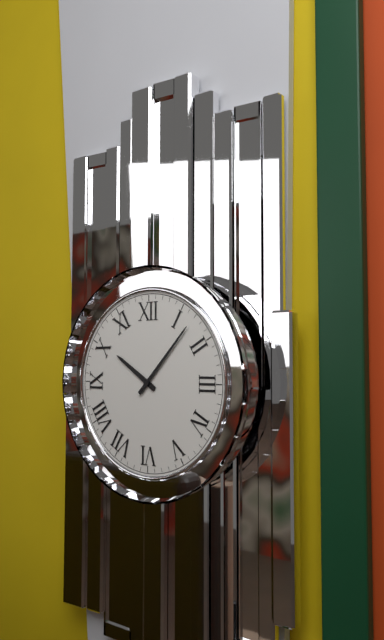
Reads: 10.07
